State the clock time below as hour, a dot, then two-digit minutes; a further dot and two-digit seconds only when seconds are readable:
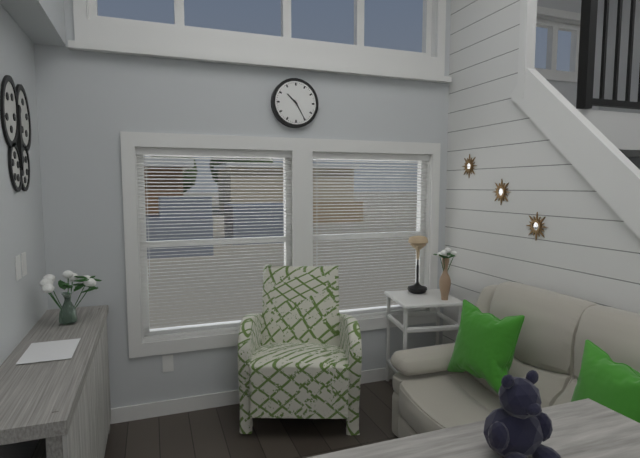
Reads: 10.25
